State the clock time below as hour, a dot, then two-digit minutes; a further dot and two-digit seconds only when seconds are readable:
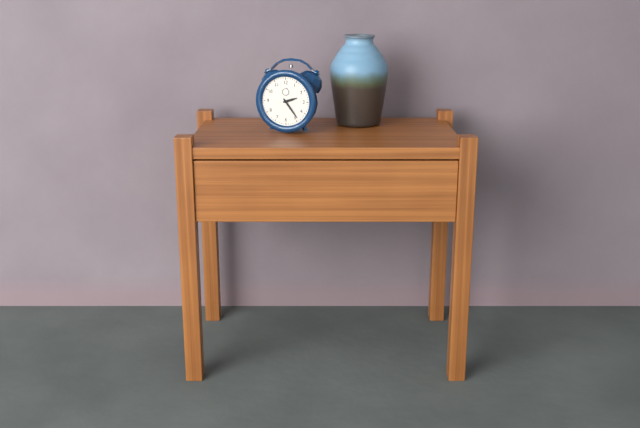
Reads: 2.24
